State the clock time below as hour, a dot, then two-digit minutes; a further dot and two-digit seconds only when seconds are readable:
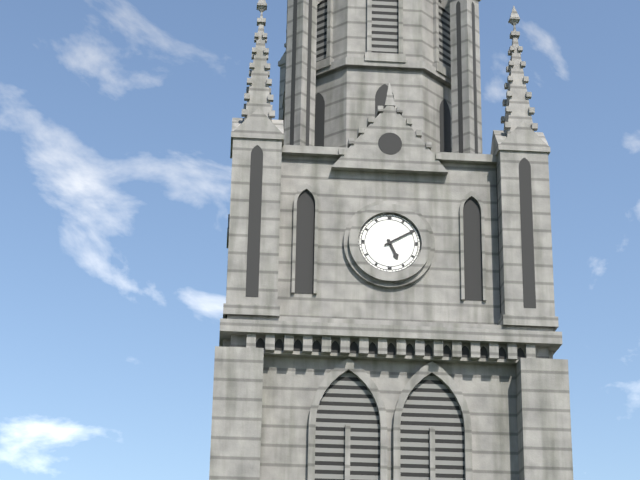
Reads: 5.10
